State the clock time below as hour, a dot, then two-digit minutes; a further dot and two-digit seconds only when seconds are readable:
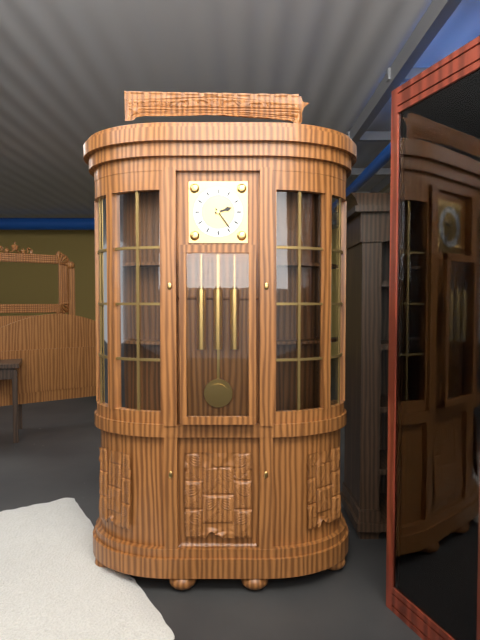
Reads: 2.24
